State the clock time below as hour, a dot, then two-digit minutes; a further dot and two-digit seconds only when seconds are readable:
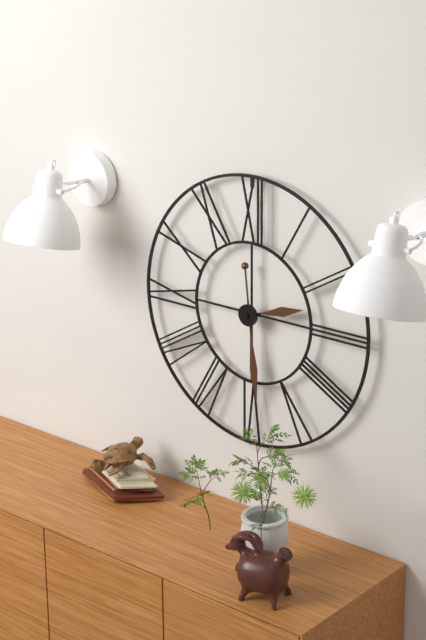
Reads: 2.29
